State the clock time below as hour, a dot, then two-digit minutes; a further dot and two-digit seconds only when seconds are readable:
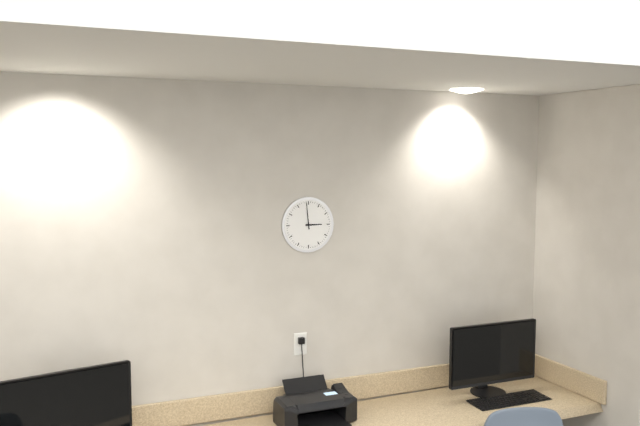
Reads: 2.59
